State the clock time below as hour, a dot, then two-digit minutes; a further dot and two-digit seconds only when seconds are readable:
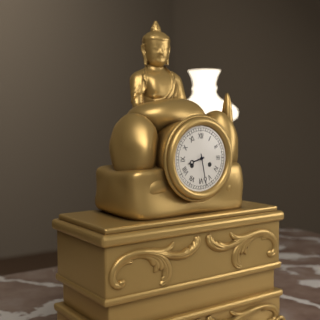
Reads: 8.28
